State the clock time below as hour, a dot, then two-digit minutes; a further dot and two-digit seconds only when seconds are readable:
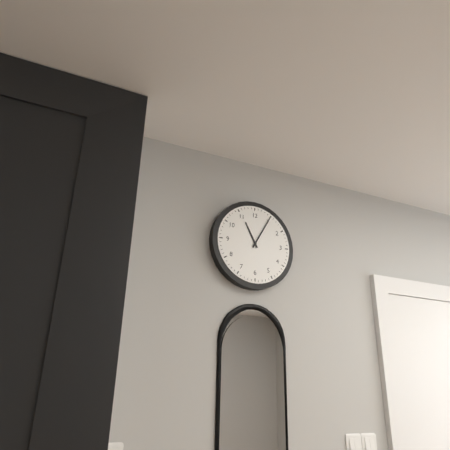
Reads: 11.05
